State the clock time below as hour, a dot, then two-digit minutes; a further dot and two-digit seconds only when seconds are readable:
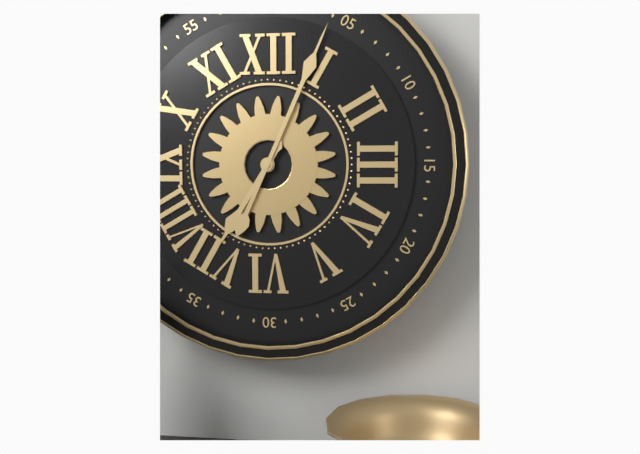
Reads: 7.04
